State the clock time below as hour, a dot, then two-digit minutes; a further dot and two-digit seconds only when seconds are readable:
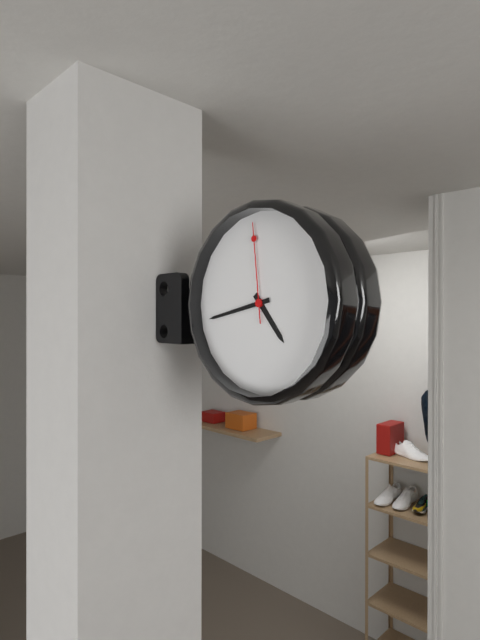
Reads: 4.43.59
